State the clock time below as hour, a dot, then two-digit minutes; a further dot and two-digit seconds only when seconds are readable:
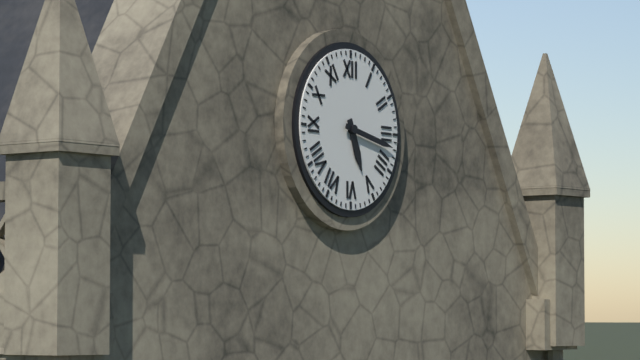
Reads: 5.17
